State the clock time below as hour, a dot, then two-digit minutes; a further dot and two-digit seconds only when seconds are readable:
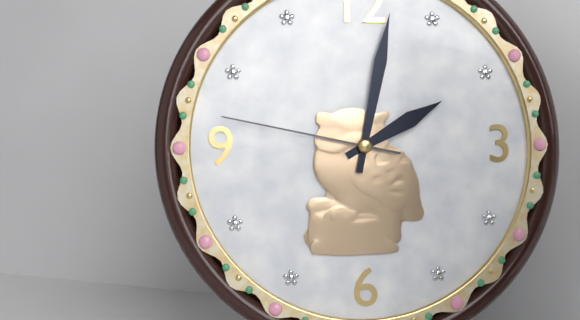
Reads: 2.02.47
